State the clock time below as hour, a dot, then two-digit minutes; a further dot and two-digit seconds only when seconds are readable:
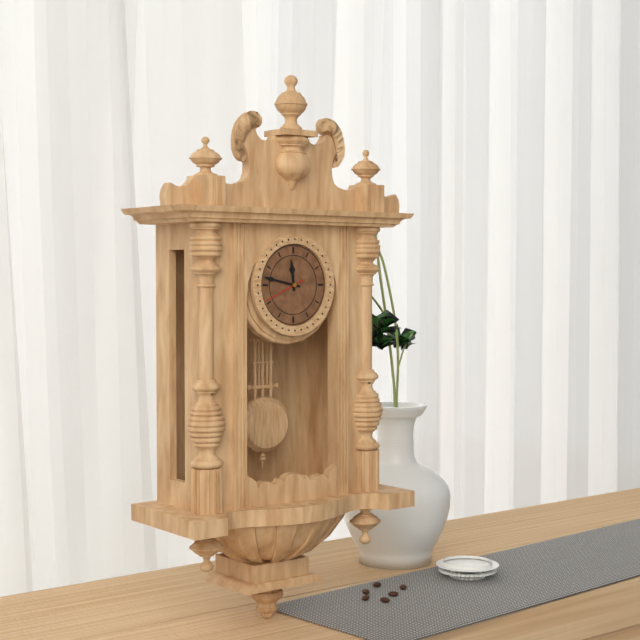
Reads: 11.47
